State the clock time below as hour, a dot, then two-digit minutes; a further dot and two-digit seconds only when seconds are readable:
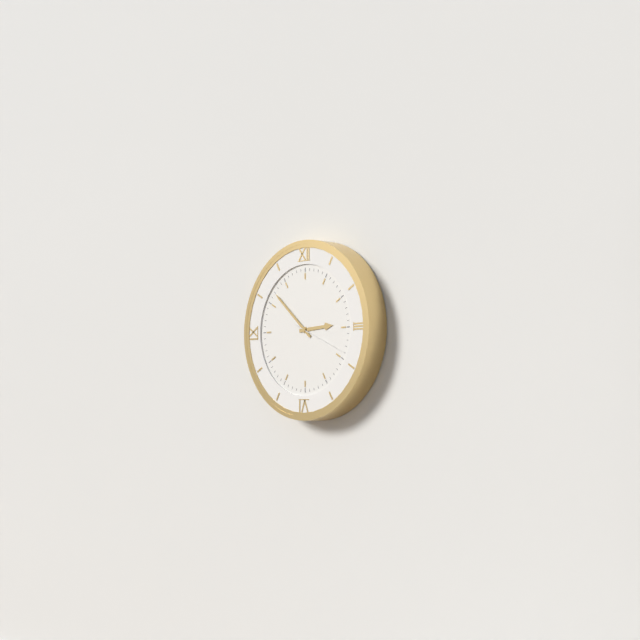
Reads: 2.52.19
